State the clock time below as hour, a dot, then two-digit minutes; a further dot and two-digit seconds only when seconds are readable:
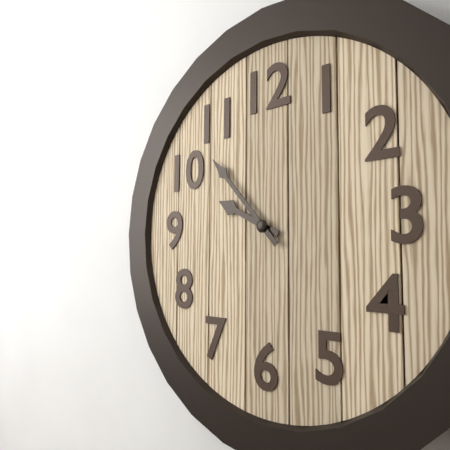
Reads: 9.53
